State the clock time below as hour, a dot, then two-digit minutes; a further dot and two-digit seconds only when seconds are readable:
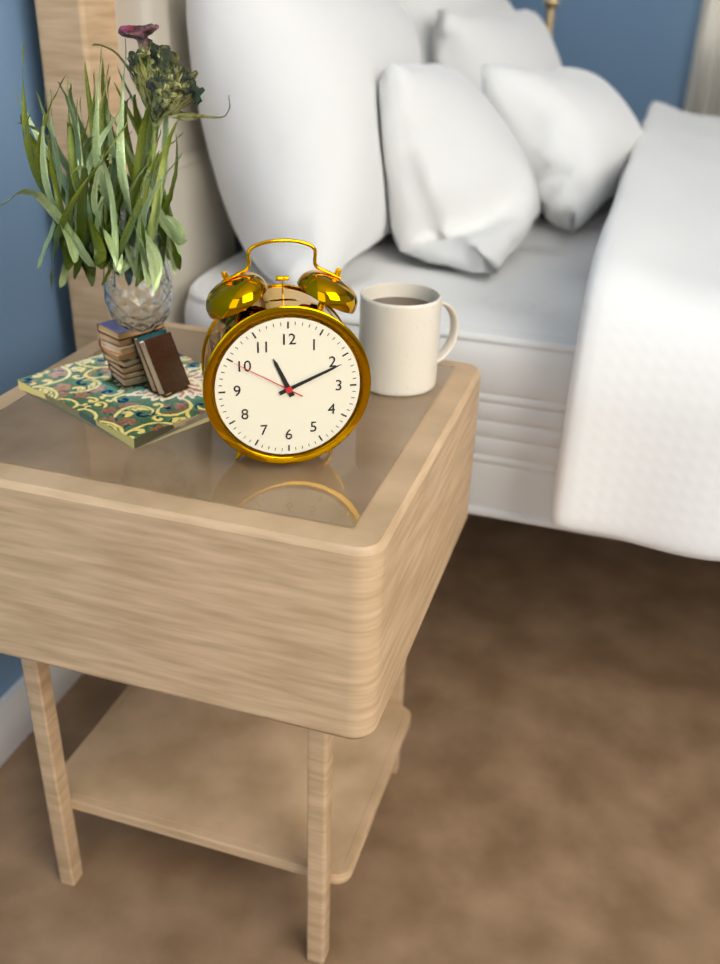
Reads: 11.11.50
